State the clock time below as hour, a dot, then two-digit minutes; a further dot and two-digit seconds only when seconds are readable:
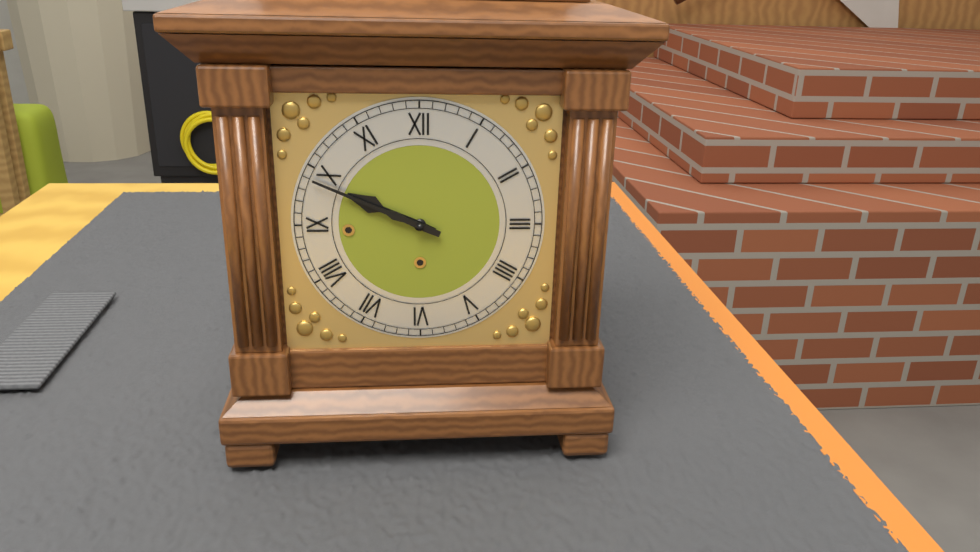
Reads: 9.49
